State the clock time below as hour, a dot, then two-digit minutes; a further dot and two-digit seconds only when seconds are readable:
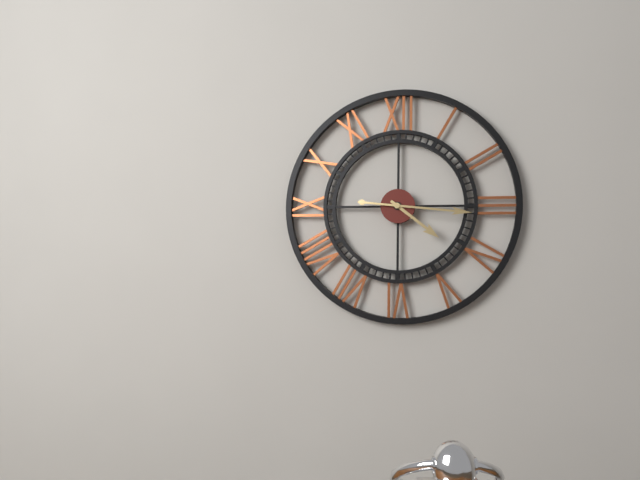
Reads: 4.16
